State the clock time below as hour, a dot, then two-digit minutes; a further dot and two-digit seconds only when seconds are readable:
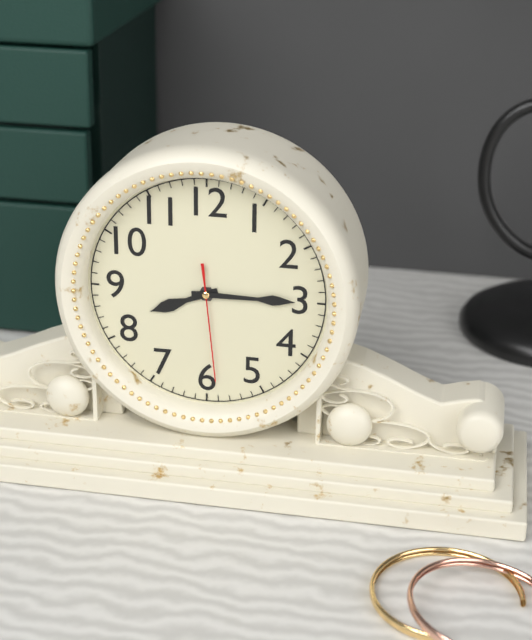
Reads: 8.15.29
